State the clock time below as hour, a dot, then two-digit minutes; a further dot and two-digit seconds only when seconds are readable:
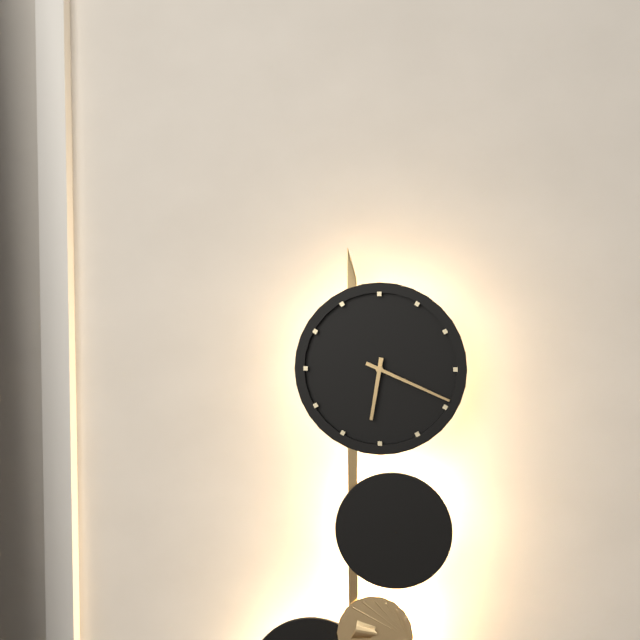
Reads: 6.19
